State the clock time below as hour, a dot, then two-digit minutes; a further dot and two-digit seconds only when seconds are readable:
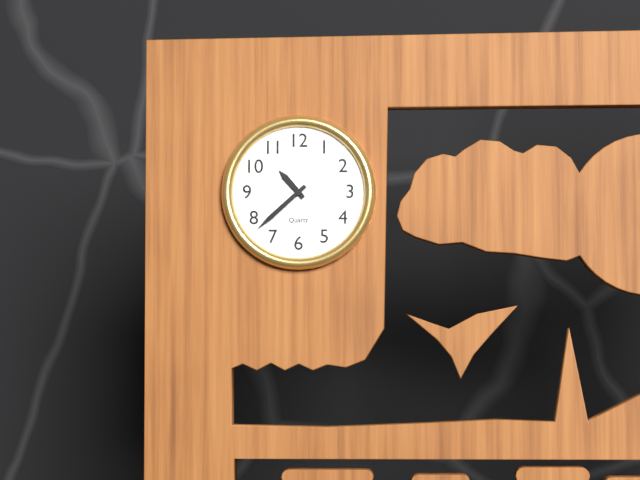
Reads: 10.38
